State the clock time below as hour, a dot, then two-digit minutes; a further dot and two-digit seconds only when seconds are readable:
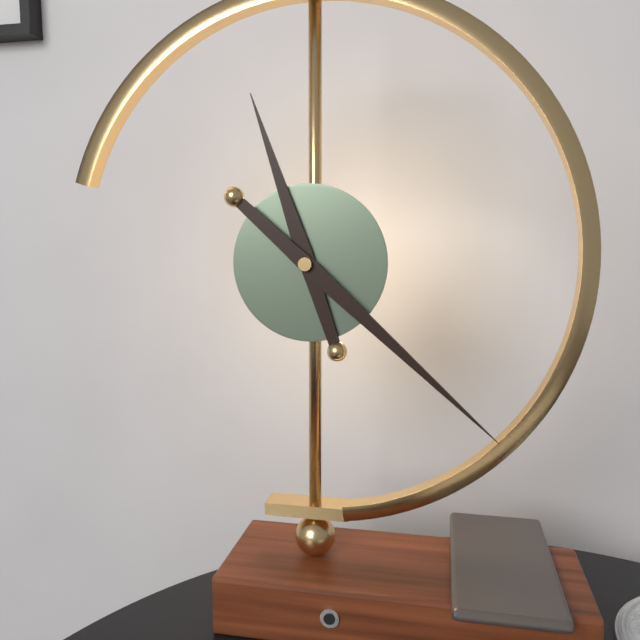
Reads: 11.22
